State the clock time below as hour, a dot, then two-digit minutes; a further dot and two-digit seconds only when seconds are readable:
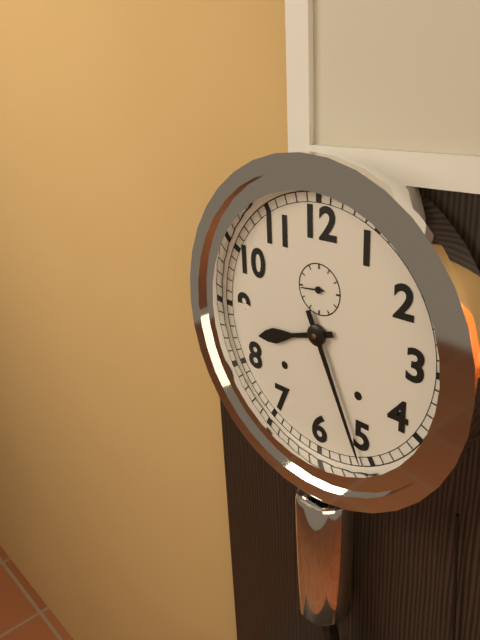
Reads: 8.26
